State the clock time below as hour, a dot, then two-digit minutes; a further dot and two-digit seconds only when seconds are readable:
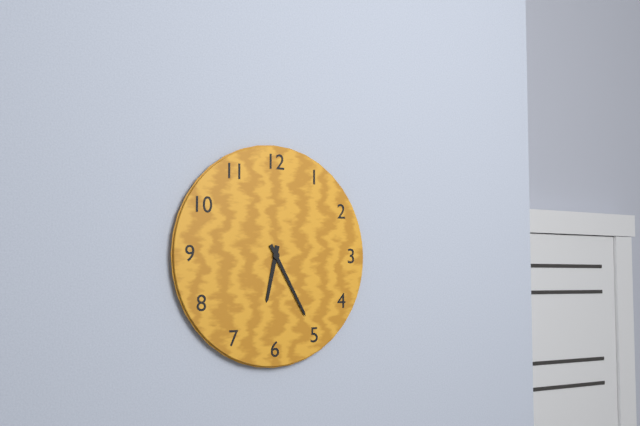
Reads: 6.25
